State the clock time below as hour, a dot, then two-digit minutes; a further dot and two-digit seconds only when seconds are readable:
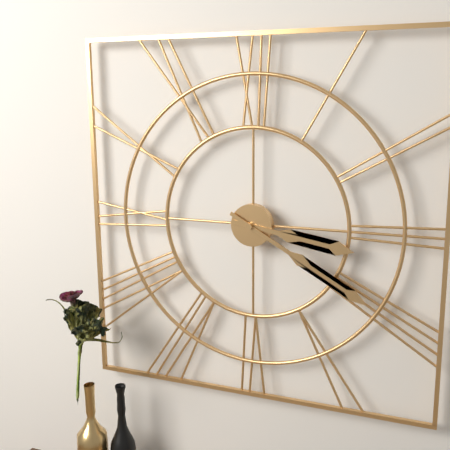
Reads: 3.20
